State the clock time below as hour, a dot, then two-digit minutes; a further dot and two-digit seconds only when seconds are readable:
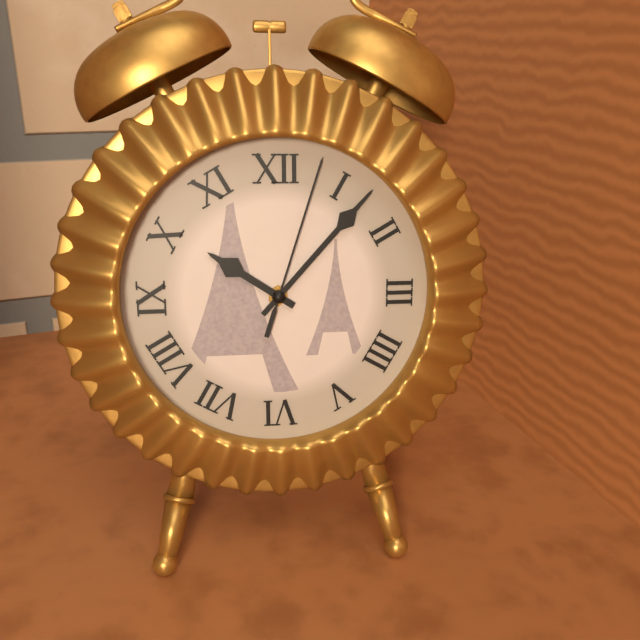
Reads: 10.07.03
